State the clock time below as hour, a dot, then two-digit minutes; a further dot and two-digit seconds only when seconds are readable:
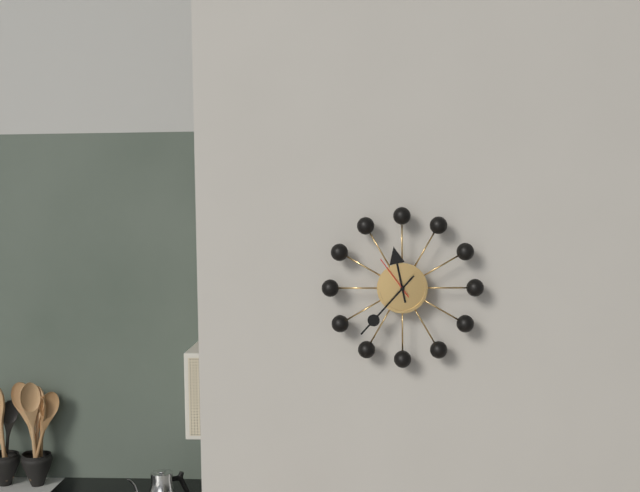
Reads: 11.37
